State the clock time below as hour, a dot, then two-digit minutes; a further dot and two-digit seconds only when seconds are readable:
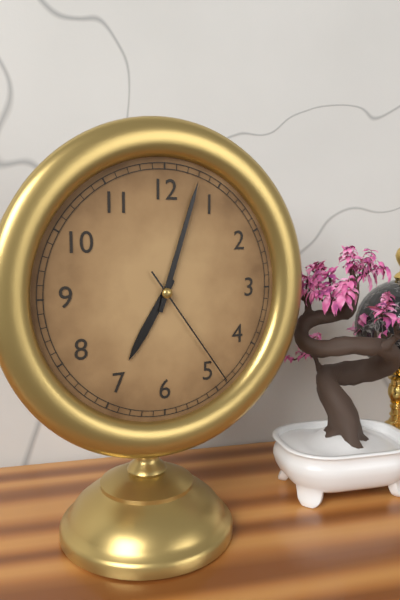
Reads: 7.03.24
